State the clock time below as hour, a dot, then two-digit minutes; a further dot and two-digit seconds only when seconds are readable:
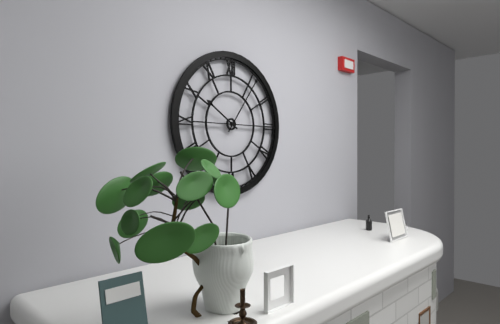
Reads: 10.06
